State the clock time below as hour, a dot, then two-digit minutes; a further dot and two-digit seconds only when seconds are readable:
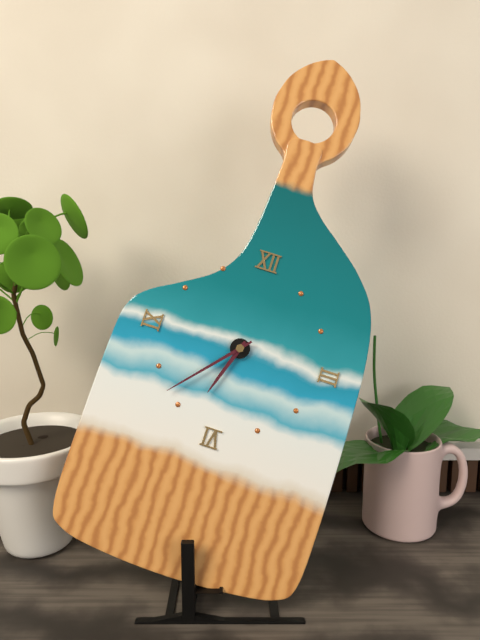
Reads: 6.37
